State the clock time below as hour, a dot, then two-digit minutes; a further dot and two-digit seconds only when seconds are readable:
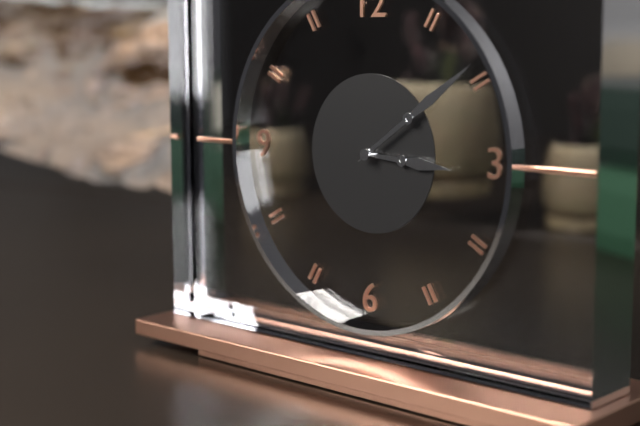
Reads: 3.09
